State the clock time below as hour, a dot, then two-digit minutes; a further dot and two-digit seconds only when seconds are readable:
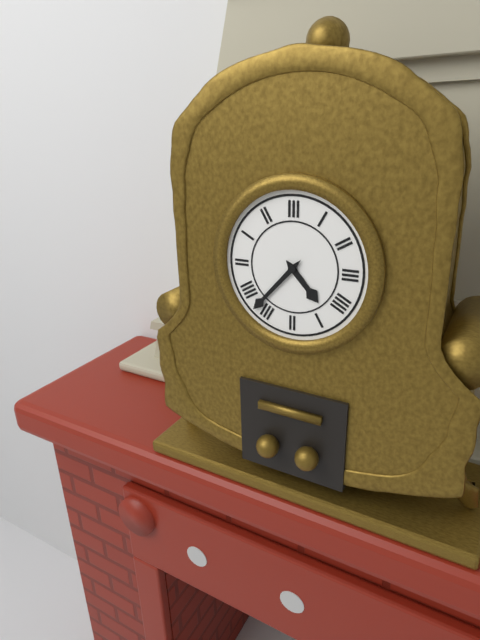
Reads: 4.37
